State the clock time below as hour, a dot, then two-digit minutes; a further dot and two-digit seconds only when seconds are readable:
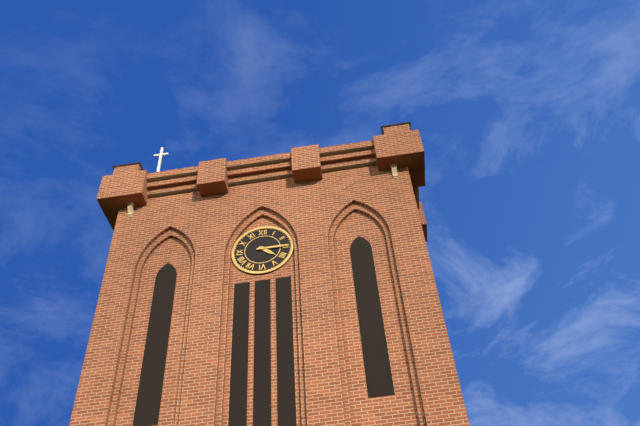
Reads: 4.15
